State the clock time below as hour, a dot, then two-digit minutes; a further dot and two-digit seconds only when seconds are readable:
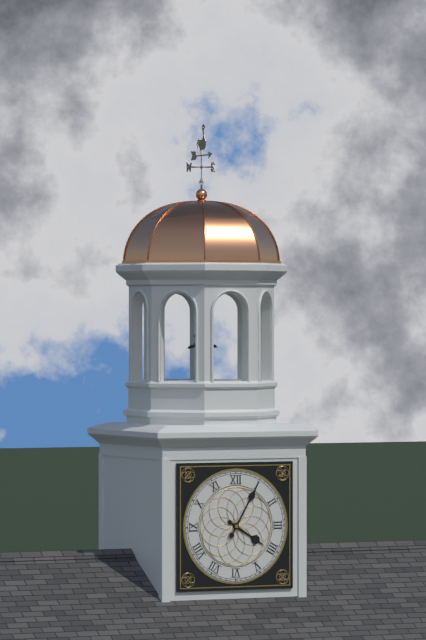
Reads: 4.05
